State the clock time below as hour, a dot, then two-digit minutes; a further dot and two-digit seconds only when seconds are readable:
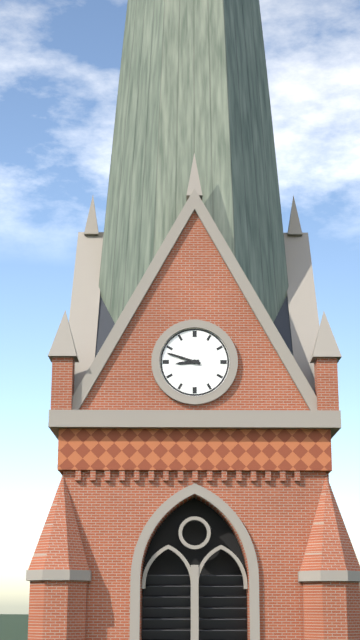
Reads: 8.48
